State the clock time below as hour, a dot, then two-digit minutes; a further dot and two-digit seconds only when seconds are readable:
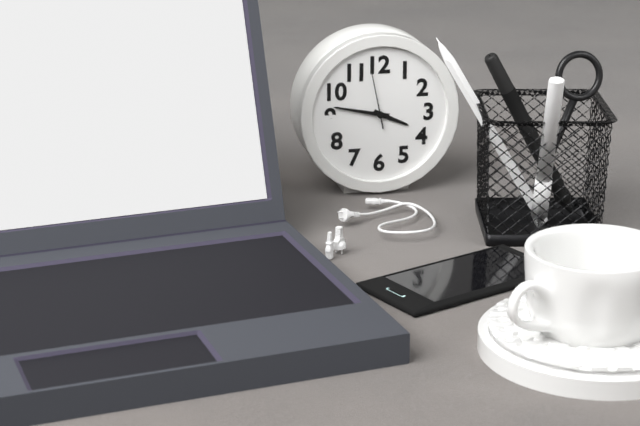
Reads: 3.47.58
